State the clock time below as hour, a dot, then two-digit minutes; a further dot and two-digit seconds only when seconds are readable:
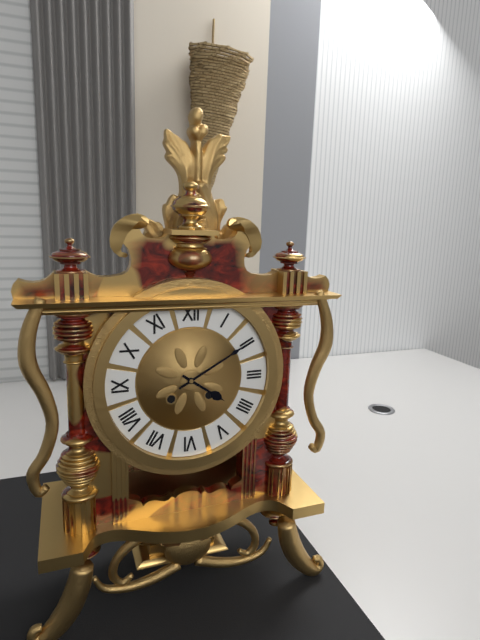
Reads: 4.10
